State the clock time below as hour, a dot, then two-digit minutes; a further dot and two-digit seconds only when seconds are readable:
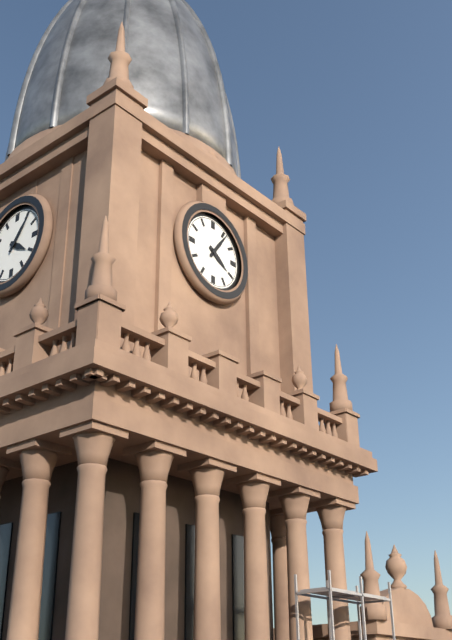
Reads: 4.06
